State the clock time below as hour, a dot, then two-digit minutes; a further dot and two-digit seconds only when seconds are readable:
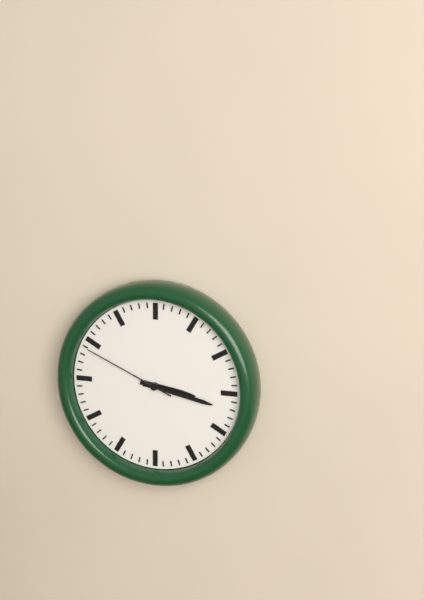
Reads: 3.17.49
